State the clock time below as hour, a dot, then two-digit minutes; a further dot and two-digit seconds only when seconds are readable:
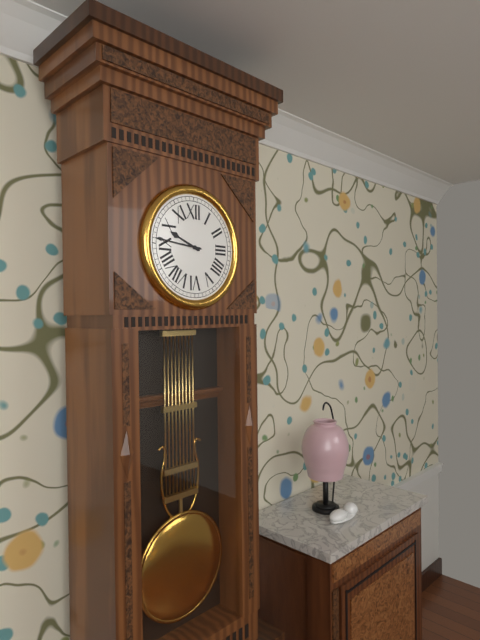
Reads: 9.46
